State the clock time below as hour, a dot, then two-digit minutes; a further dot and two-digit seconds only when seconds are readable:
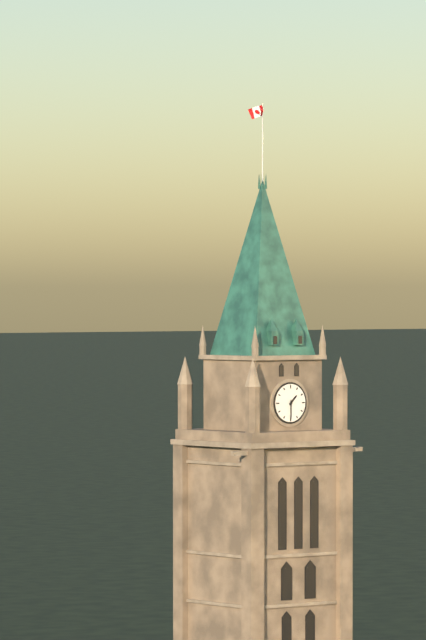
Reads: 1.30
